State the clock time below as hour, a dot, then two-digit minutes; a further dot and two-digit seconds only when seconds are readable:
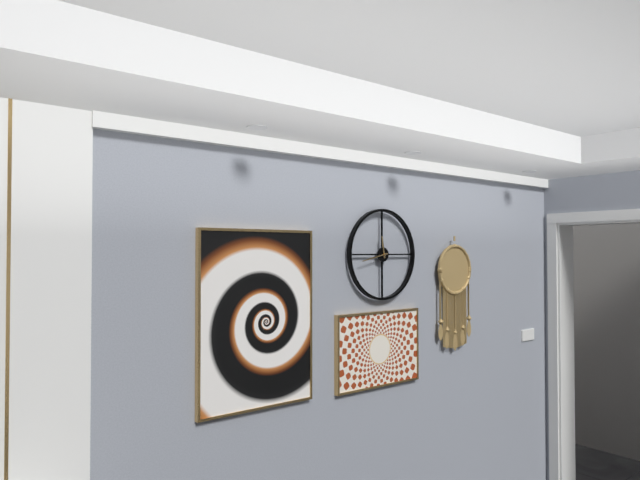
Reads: 11.43
